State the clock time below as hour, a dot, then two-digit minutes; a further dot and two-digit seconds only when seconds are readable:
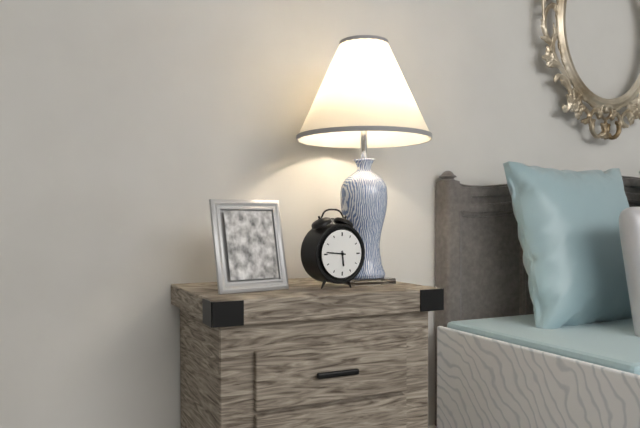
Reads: 5.46
